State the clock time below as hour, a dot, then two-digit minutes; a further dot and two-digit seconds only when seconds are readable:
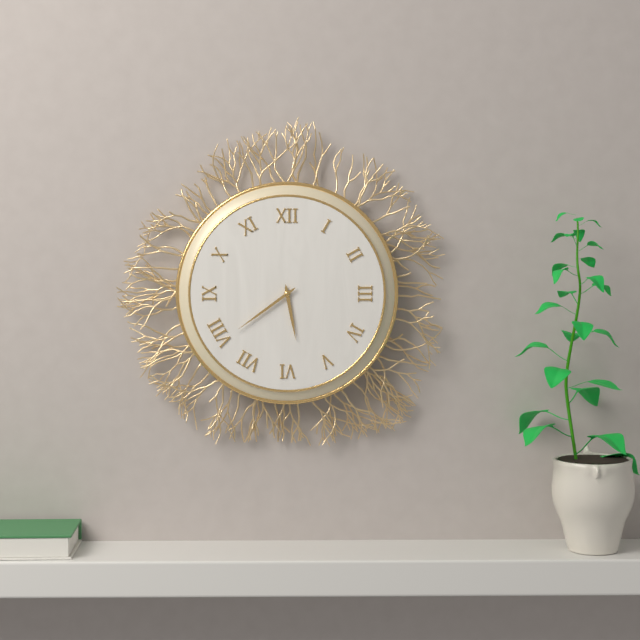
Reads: 5.39
